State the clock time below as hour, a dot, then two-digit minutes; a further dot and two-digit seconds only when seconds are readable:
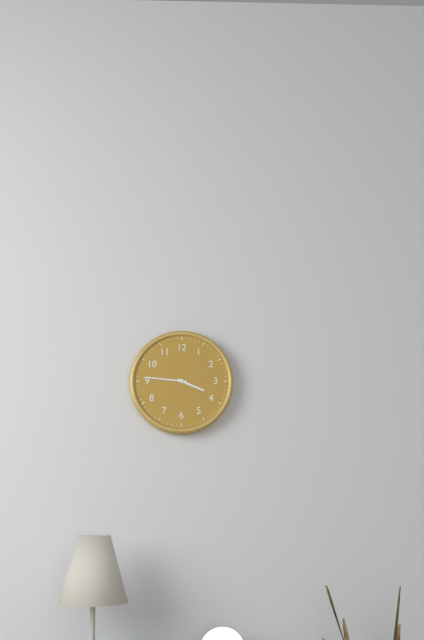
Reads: 3.46
